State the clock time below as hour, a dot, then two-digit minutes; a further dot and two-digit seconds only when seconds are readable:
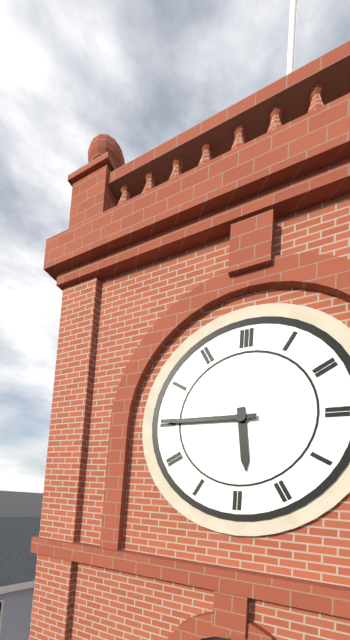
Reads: 5.45
